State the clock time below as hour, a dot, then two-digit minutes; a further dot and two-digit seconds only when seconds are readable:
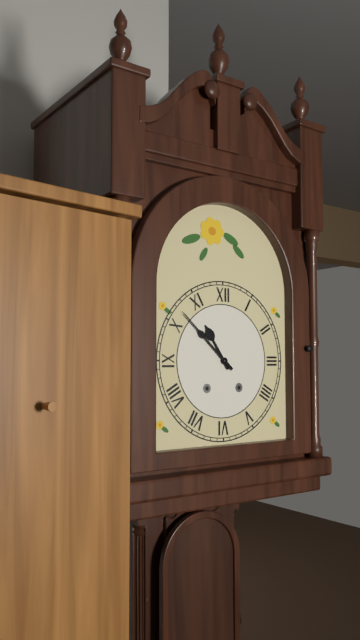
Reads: 10.52
